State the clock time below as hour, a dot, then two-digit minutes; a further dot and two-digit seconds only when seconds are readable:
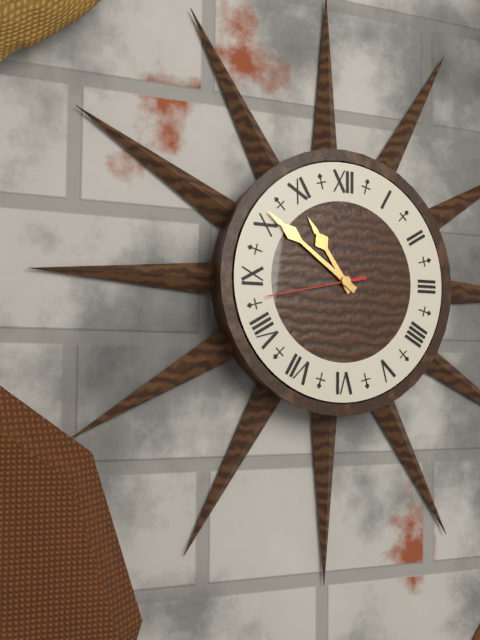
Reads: 10.51.43
